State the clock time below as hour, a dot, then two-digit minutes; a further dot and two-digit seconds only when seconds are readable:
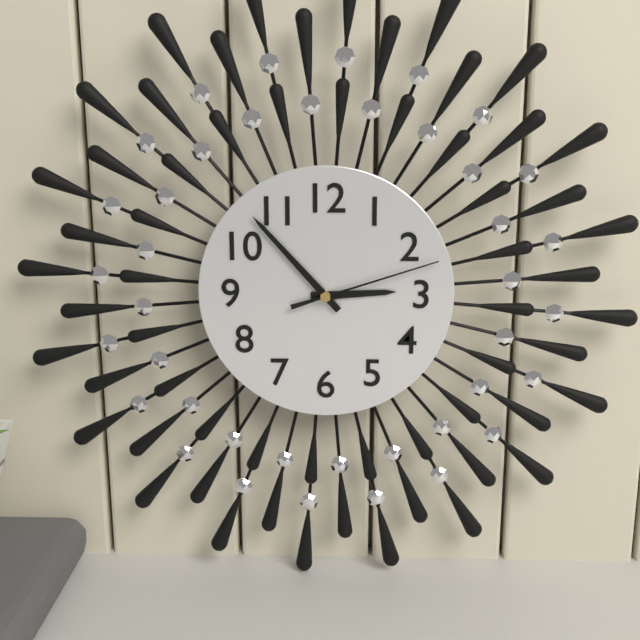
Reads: 2.53.12
